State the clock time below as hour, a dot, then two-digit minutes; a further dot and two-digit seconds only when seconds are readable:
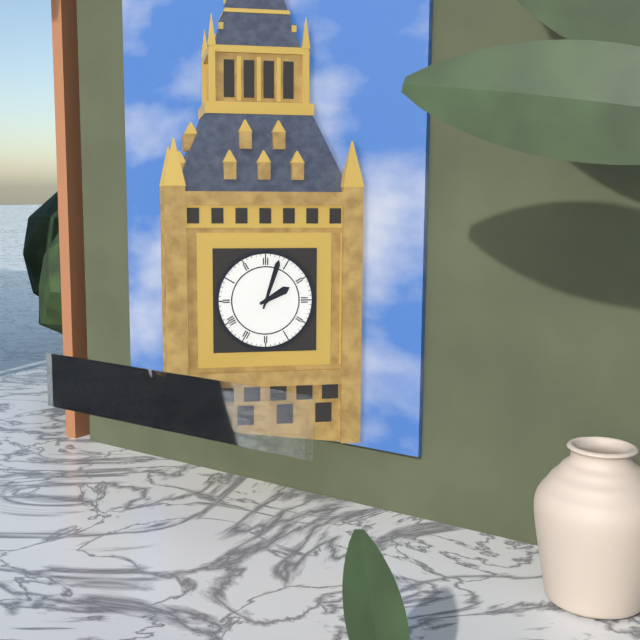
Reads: 2.03
